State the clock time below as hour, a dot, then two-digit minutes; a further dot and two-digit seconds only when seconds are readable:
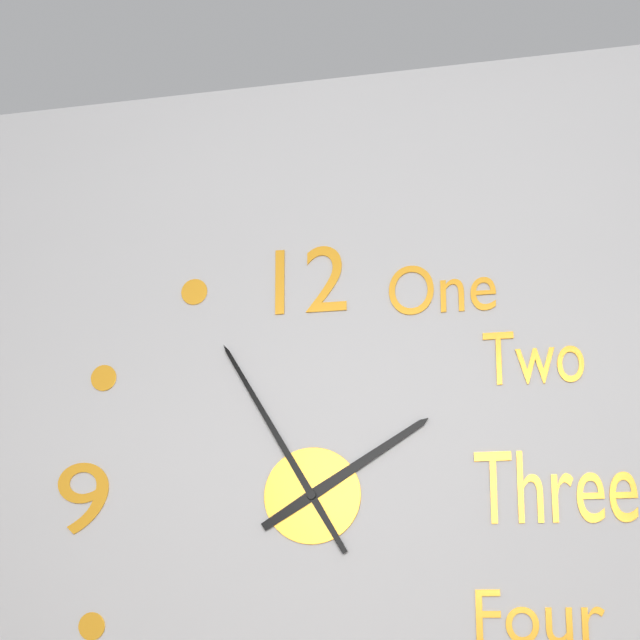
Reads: 1.55
